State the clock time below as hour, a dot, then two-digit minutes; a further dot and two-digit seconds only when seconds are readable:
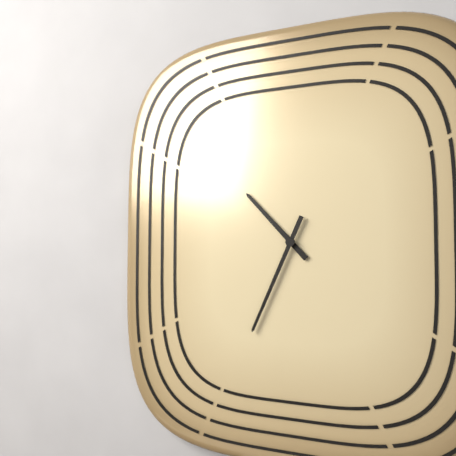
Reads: 10.34
